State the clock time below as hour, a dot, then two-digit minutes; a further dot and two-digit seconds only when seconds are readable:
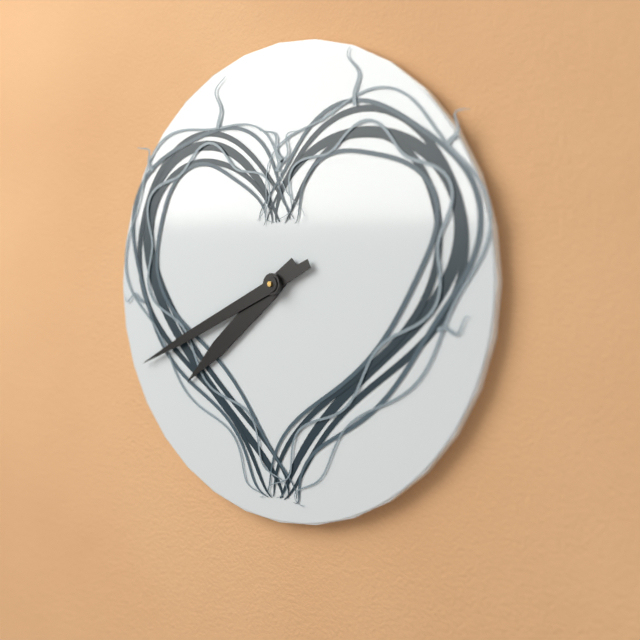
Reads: 7.41
